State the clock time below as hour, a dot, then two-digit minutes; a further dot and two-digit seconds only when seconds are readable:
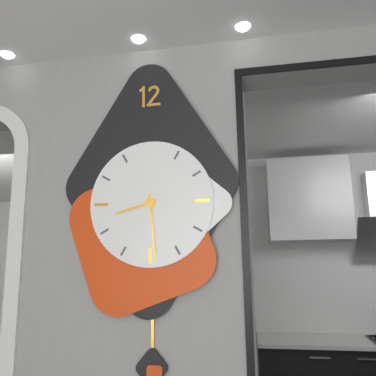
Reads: 8.29
